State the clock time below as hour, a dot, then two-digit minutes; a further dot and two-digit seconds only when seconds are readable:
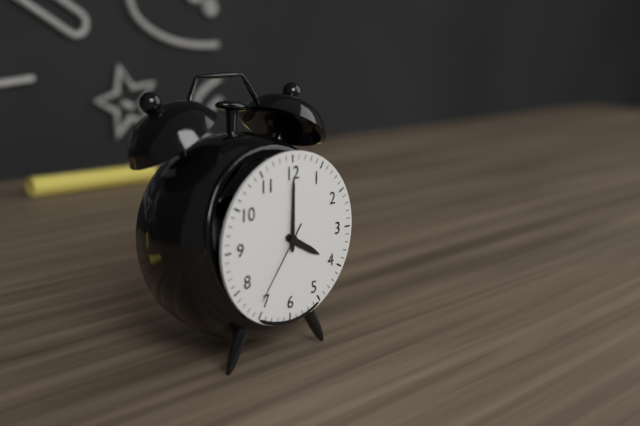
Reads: 4.00.36
